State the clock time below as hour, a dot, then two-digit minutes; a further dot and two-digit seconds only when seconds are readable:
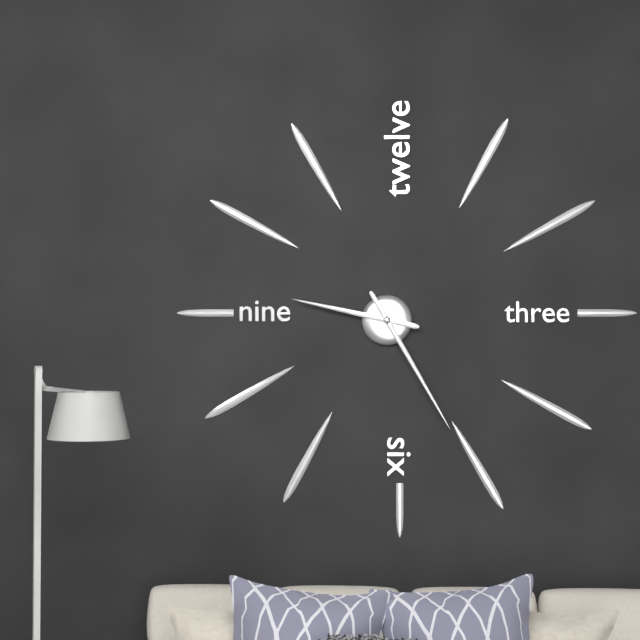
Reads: 9.25
